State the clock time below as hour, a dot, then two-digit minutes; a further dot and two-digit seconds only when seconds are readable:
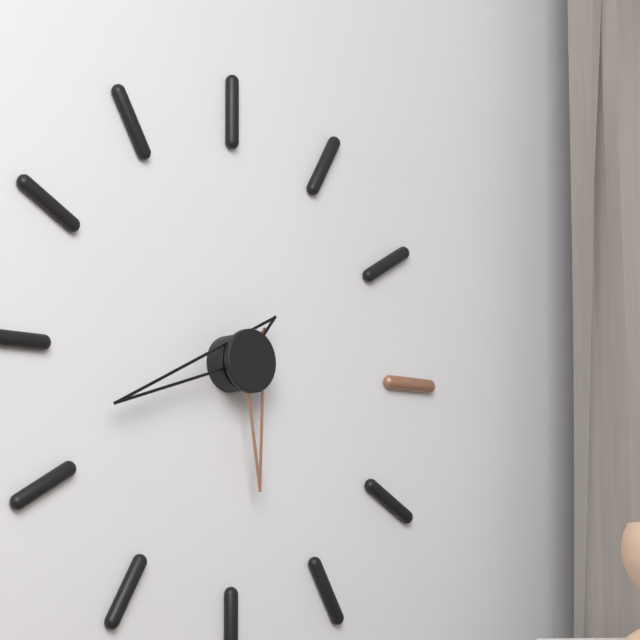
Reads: 5.42
